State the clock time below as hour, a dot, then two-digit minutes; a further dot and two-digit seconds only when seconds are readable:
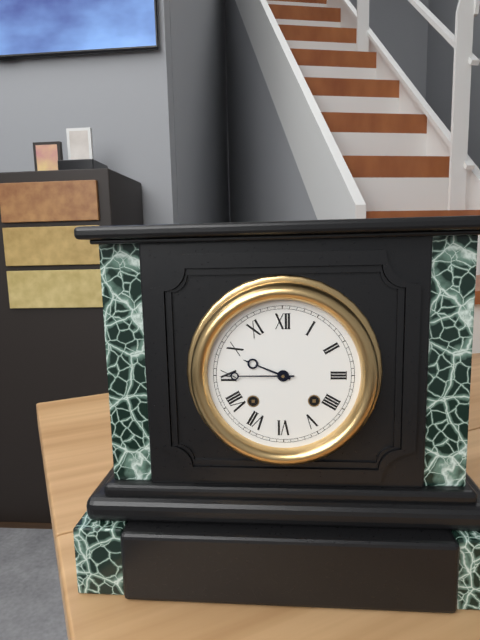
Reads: 9.45
